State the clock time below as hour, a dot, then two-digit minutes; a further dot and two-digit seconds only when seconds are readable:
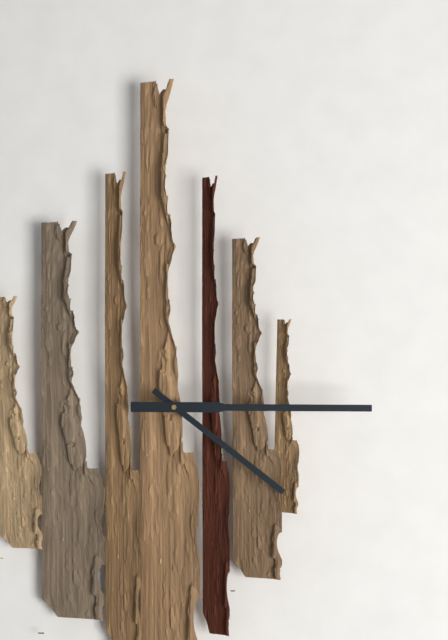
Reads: 4.15
